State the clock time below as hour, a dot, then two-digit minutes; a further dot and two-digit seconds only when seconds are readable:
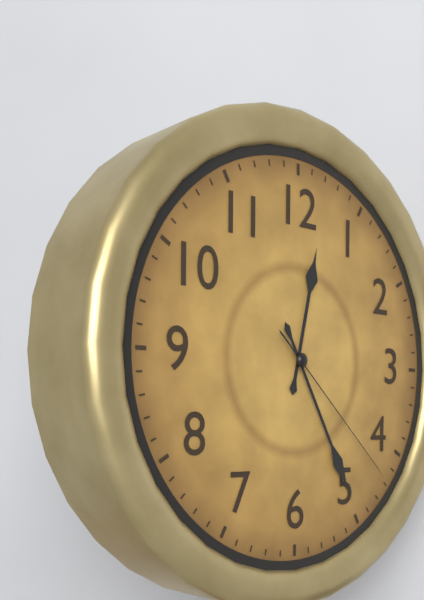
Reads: 12.25.22
